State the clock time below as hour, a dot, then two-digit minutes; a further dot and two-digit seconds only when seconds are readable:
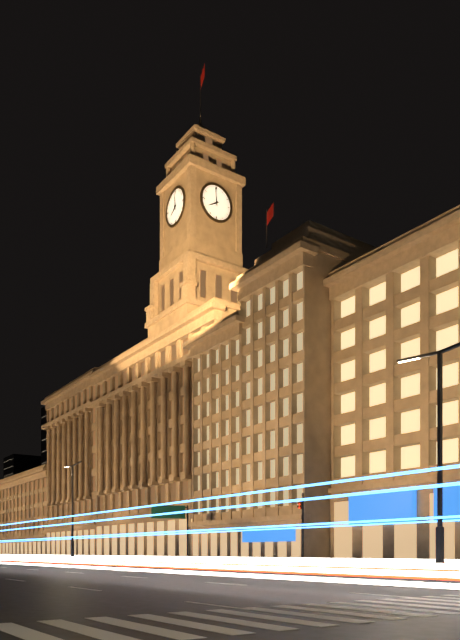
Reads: 7.59
